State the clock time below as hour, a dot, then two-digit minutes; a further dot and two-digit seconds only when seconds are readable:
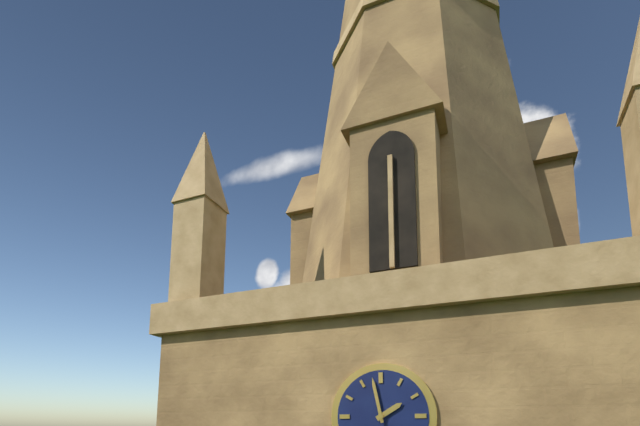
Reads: 1.58
